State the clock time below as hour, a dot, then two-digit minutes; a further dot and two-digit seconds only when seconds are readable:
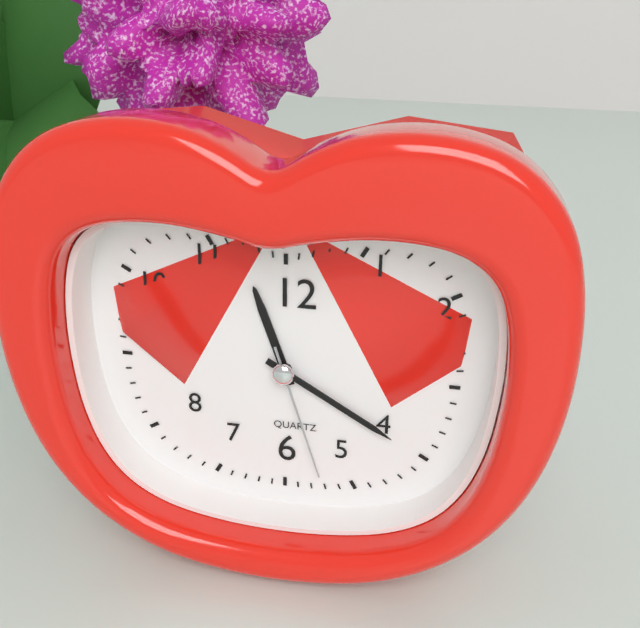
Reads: 11.20.27
